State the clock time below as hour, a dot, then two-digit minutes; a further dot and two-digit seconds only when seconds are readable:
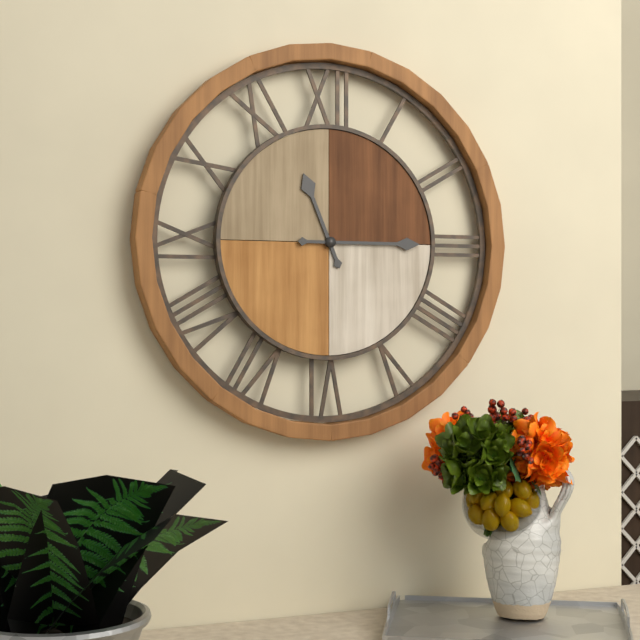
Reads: 11.15
